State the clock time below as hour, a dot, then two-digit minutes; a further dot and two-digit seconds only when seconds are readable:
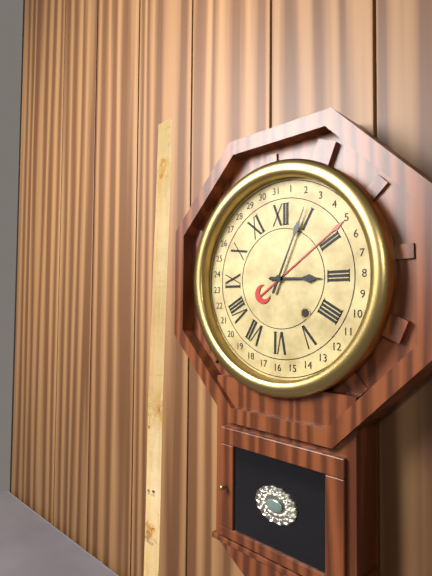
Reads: 3.04
